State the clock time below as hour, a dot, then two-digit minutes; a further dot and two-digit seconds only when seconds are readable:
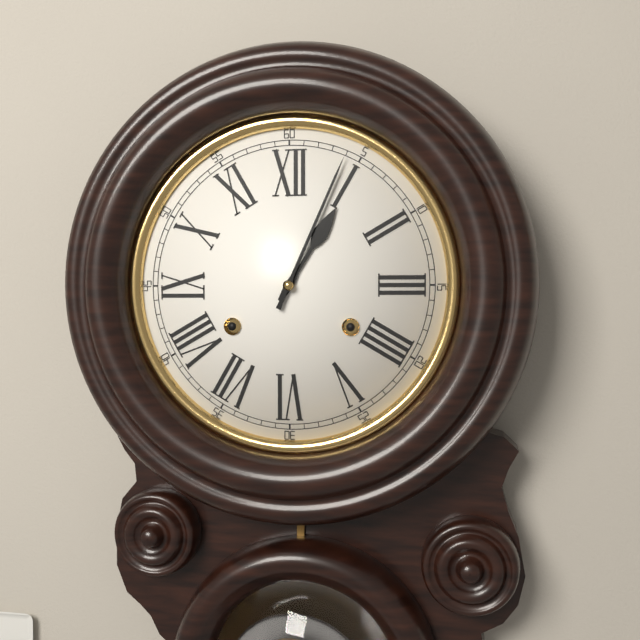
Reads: 1.04
